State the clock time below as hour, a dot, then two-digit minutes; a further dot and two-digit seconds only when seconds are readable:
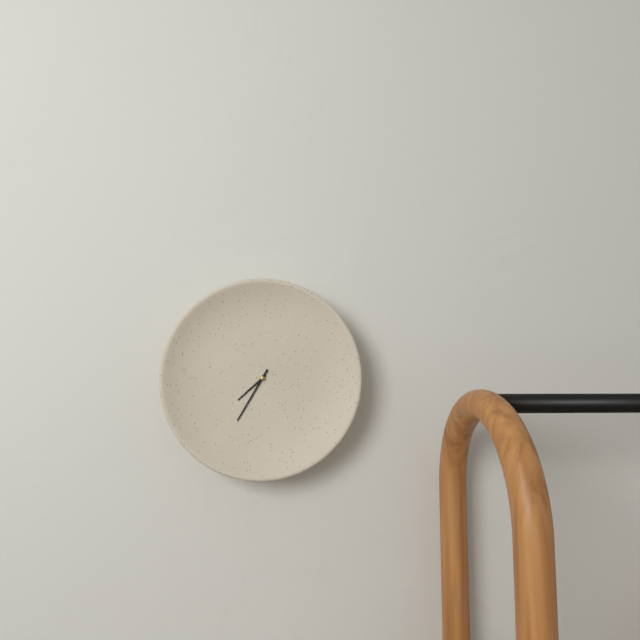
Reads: 7.35
